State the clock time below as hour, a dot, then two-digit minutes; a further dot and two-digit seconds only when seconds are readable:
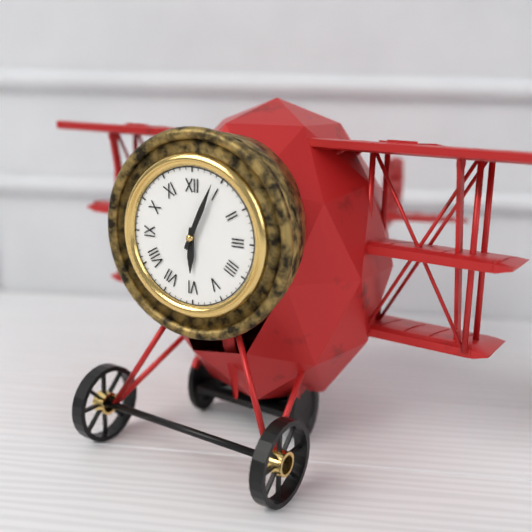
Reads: 6.04
